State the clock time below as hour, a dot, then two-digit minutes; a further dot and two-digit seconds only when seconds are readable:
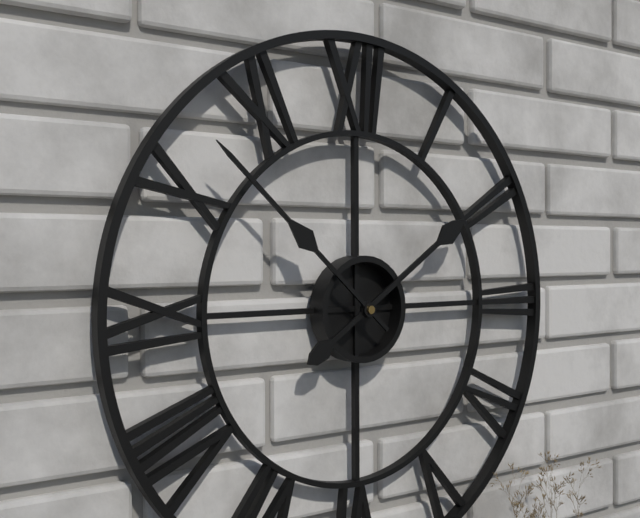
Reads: 1.52
